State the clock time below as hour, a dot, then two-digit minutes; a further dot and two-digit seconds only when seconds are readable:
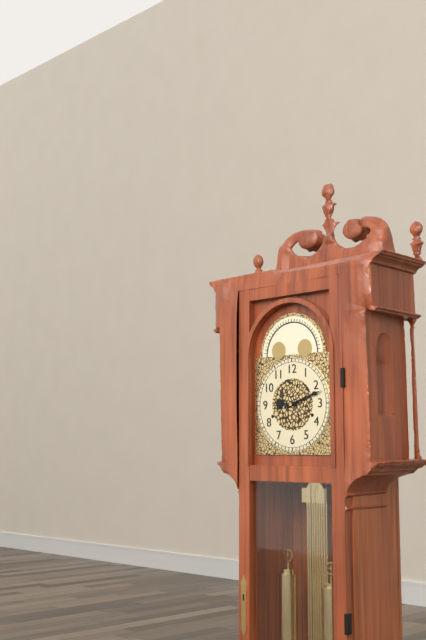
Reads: 9.12
